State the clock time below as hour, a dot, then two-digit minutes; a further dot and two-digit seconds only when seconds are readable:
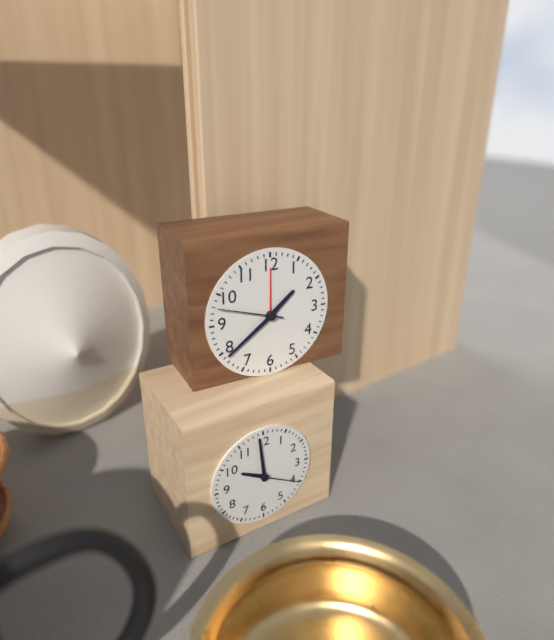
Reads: 1.39.48
